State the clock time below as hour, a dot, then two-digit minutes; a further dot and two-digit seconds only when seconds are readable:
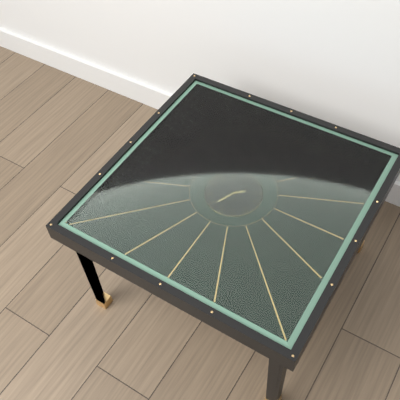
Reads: 1.34
